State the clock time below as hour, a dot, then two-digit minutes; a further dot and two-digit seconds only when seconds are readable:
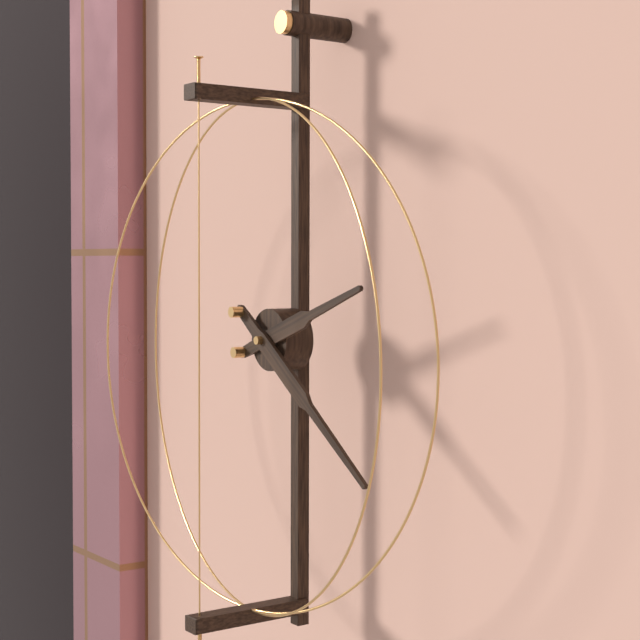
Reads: 2.21
